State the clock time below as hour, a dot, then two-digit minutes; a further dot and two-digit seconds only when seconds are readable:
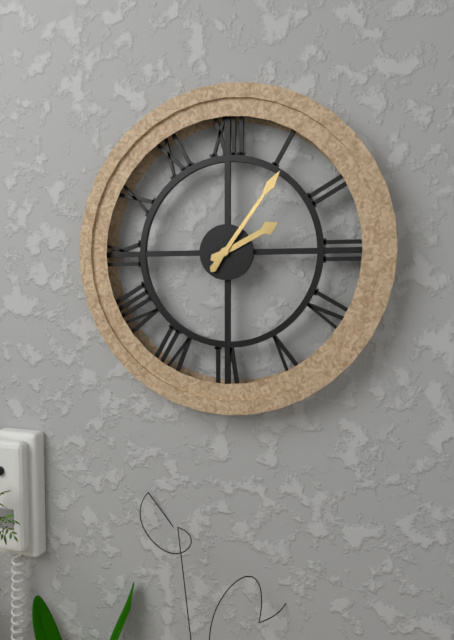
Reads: 2.06
